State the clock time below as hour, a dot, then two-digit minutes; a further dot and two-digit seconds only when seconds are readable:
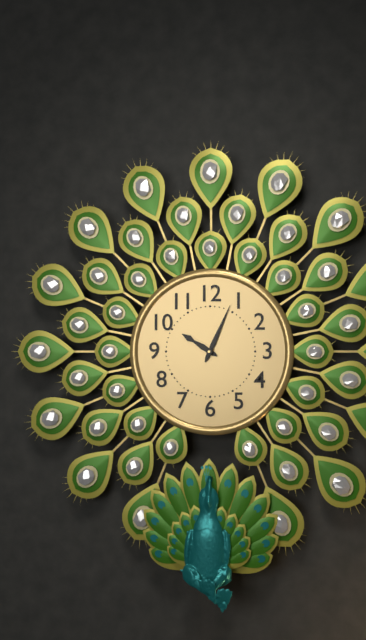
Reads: 10.04
